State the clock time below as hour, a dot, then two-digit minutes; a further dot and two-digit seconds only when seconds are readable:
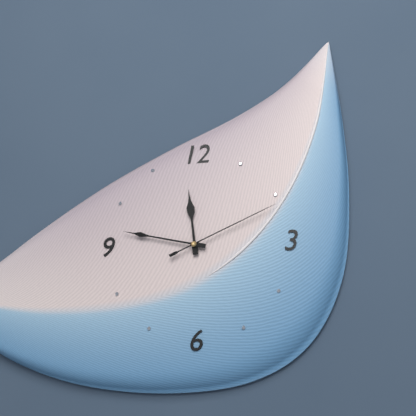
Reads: 11.47.11
